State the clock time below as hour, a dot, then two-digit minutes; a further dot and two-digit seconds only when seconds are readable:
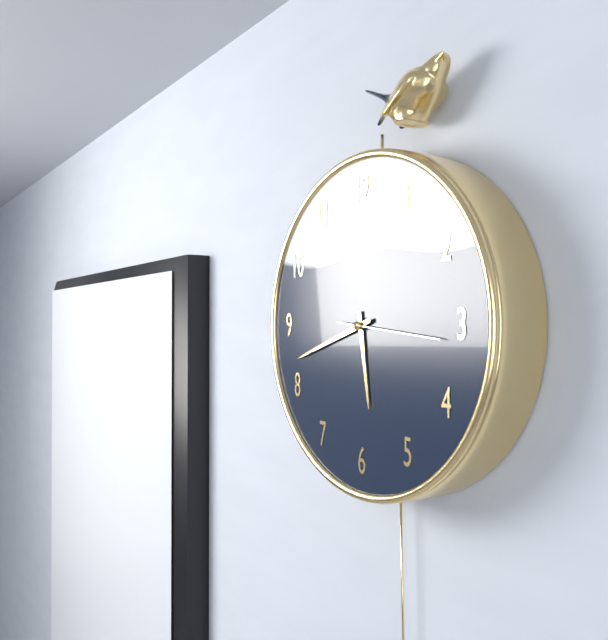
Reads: 5.42.16
